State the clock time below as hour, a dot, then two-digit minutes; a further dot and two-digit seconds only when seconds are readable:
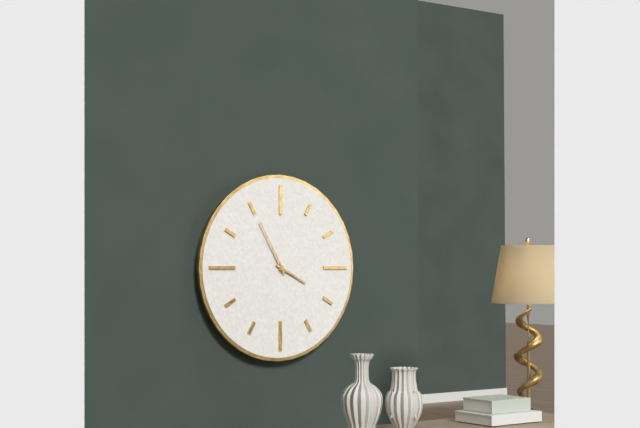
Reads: 3.55
